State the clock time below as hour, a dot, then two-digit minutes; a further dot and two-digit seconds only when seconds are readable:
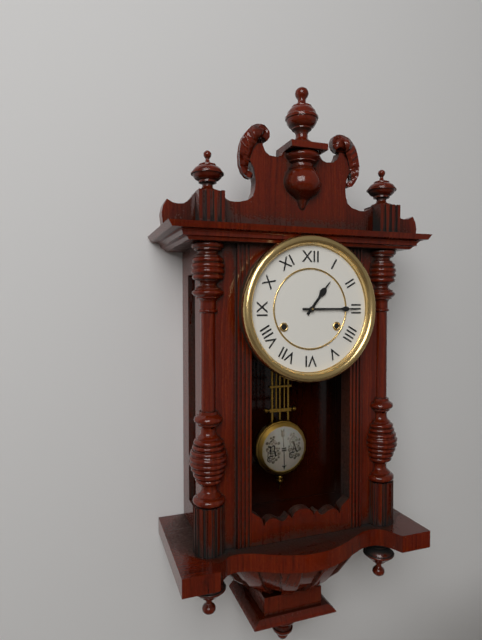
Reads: 1.15
